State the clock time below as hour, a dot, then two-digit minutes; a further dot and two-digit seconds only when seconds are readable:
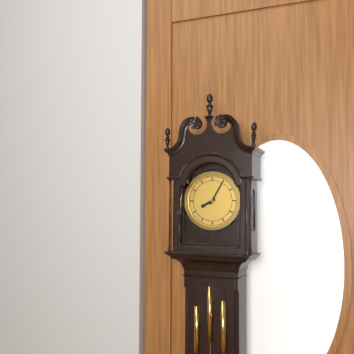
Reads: 8.05
